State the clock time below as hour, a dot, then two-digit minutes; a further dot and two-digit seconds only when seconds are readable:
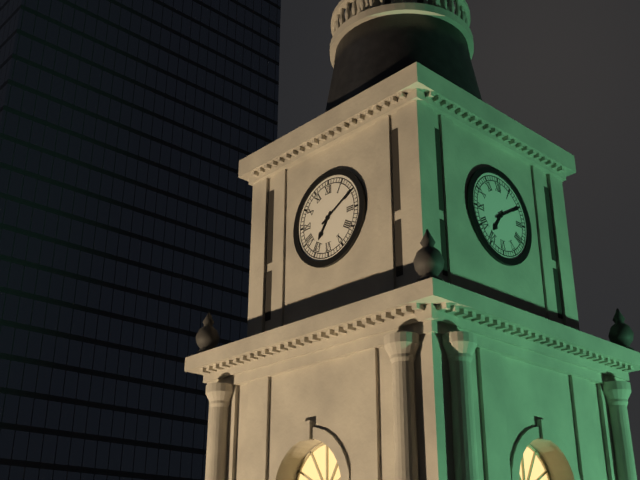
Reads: 7.10
